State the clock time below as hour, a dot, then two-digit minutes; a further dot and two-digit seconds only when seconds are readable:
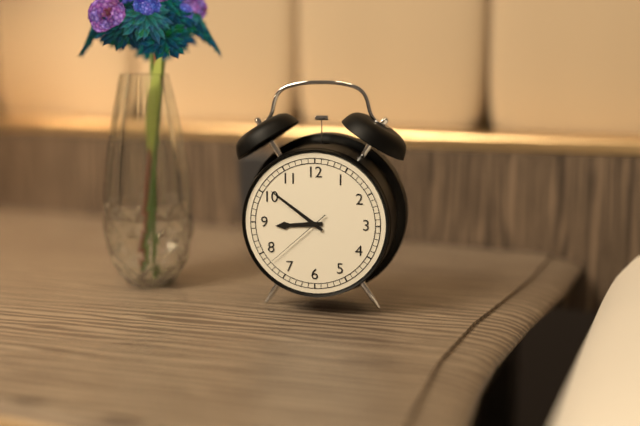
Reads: 8.51.38
